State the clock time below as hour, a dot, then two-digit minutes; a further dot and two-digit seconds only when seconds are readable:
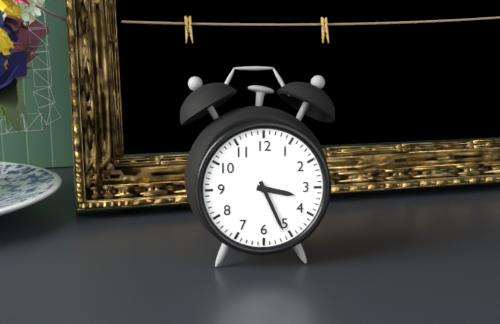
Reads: 3.26
